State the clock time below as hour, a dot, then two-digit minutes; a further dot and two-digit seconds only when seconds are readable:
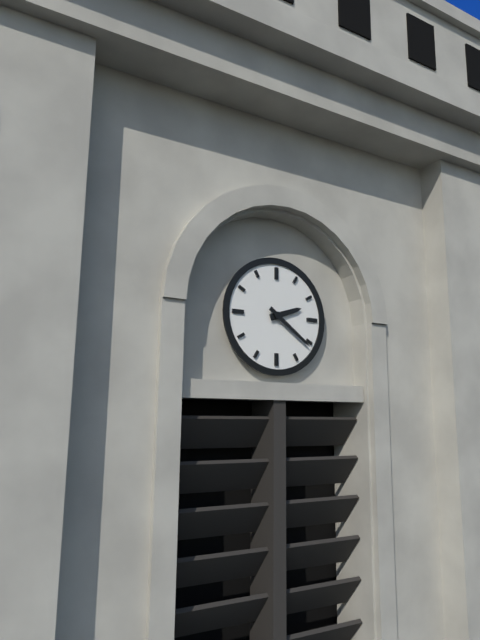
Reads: 2.21
